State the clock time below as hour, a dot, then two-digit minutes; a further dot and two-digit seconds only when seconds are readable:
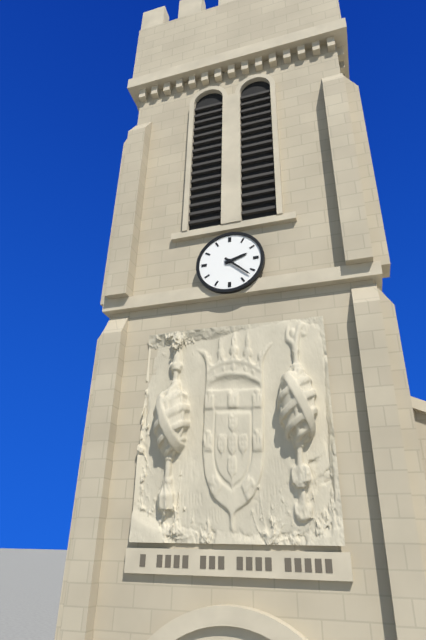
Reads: 2.22
